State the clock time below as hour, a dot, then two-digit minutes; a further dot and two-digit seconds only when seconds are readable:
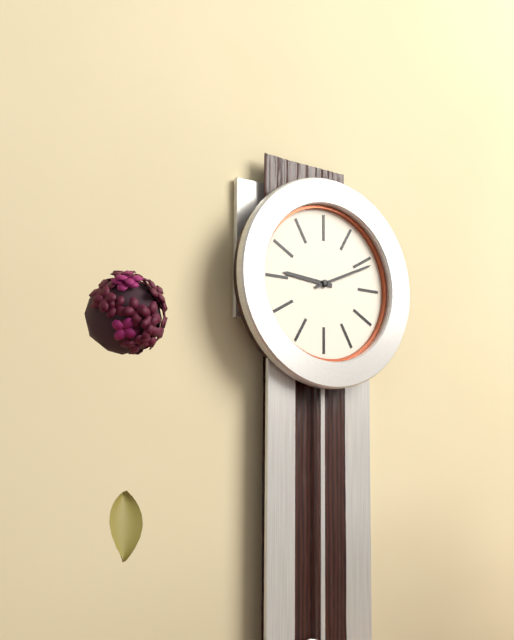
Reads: 9.11
